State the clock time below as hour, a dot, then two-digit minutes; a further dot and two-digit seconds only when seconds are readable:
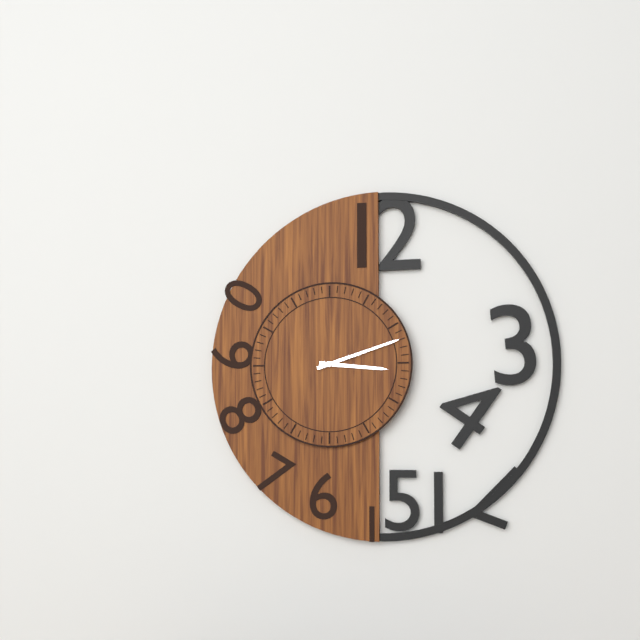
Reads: 3.12
